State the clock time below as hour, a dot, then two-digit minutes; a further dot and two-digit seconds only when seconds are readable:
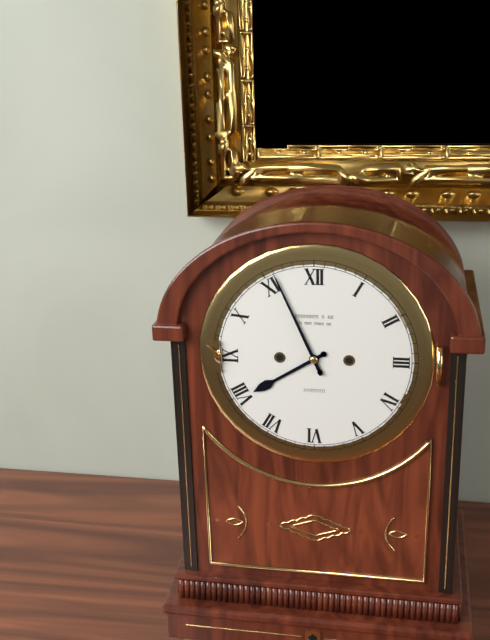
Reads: 7.56
